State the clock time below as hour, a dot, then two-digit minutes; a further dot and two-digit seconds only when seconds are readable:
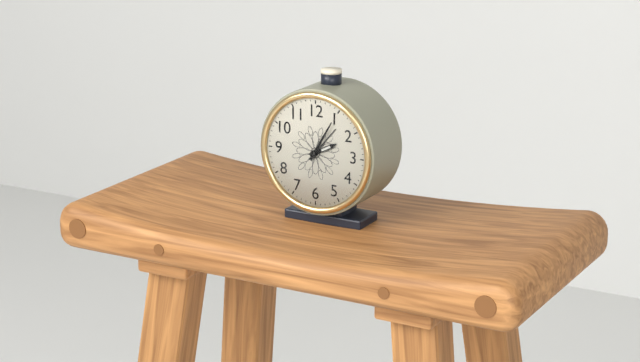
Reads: 2.05
